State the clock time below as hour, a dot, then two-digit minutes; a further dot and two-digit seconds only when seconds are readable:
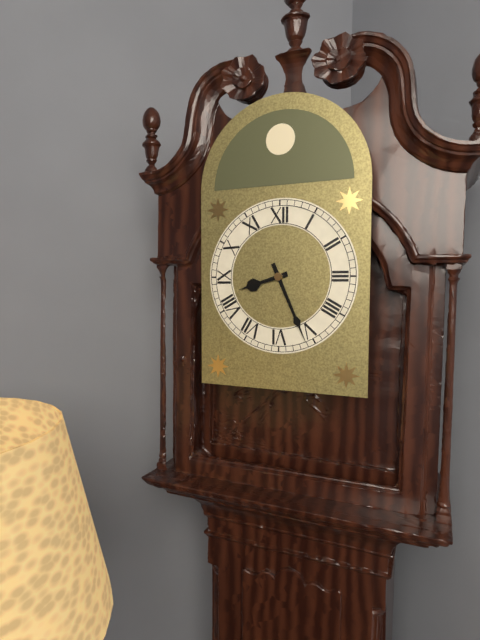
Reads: 8.26
